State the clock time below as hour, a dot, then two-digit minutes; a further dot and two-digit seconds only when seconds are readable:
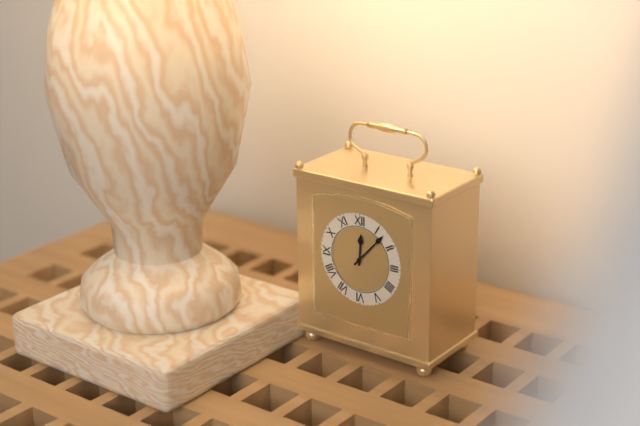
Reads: 12.07
